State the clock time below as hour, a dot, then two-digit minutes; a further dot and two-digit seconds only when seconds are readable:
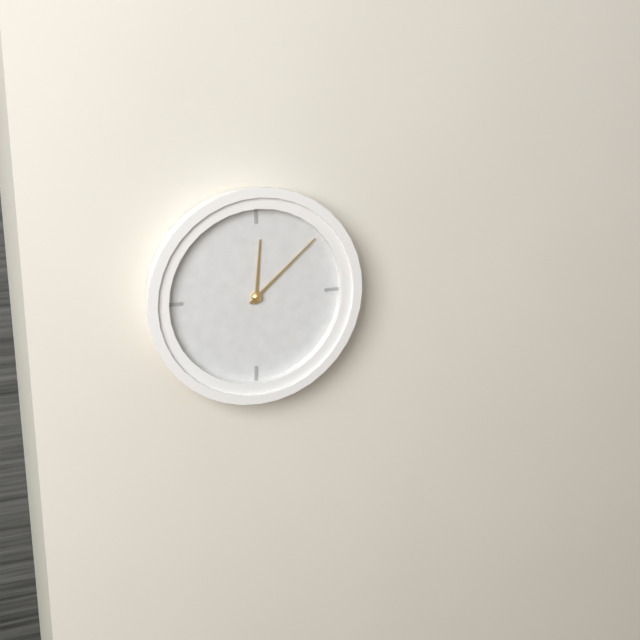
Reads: 12.08
